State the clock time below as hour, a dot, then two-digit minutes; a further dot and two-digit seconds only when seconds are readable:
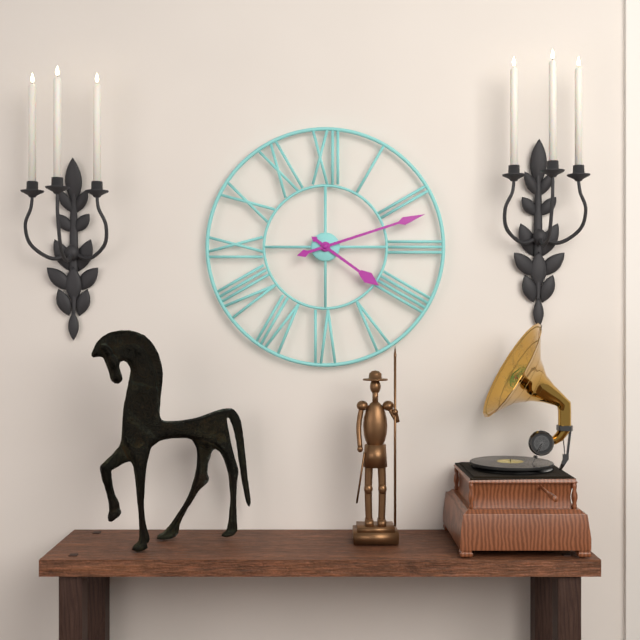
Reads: 4.12
